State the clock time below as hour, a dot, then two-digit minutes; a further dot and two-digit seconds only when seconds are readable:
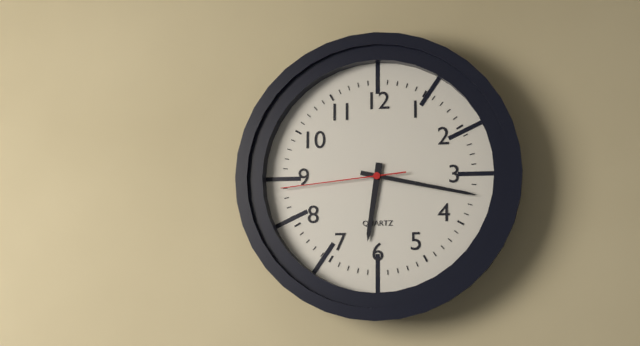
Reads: 6.17.44
